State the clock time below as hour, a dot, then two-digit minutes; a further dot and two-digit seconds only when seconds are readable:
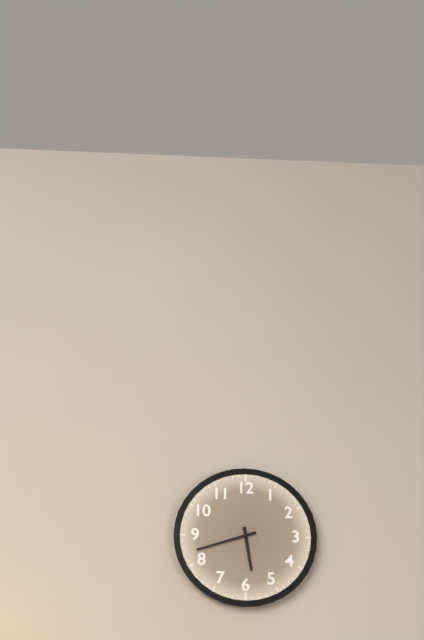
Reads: 5.42
